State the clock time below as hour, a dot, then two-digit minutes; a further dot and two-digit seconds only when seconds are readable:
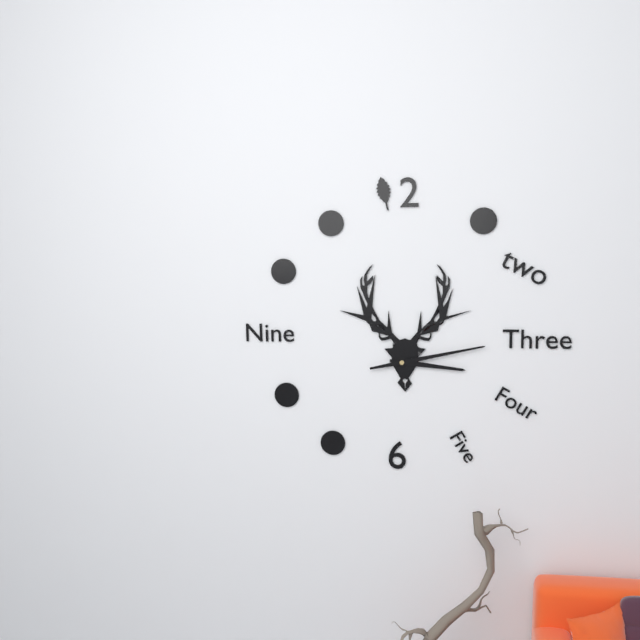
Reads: 3.13
